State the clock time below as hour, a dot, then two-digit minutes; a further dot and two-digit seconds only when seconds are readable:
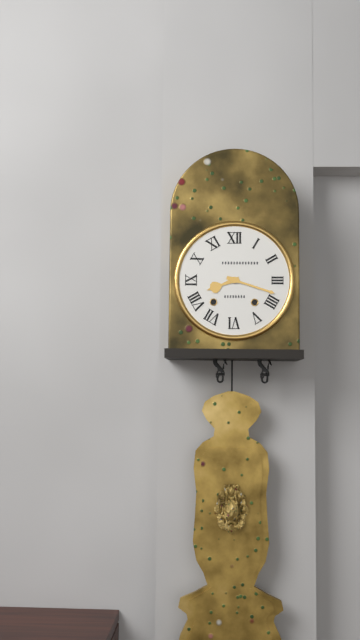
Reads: 8.18
